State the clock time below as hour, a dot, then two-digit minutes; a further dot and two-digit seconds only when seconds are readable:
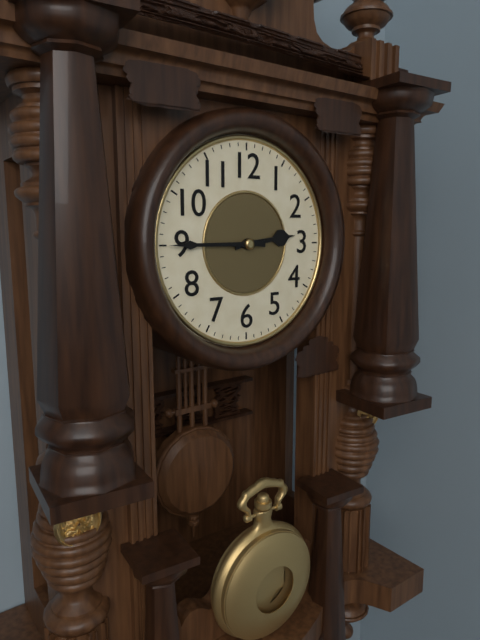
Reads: 2.45
